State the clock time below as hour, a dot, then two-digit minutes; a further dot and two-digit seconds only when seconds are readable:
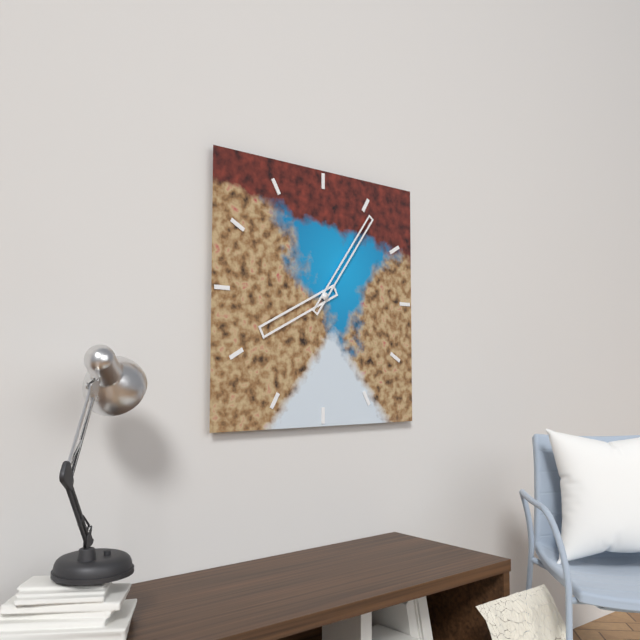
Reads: 8.06
